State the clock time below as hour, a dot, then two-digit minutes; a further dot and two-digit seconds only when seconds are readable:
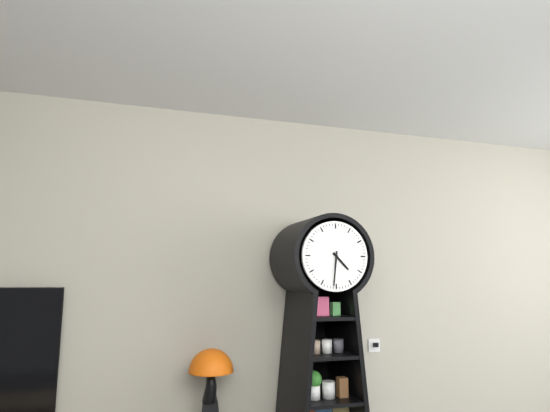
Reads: 4.31
